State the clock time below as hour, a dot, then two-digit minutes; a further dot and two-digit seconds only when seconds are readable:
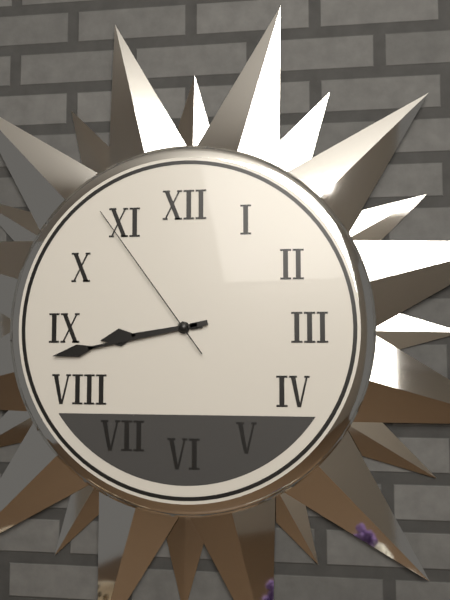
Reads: 8.43.54
